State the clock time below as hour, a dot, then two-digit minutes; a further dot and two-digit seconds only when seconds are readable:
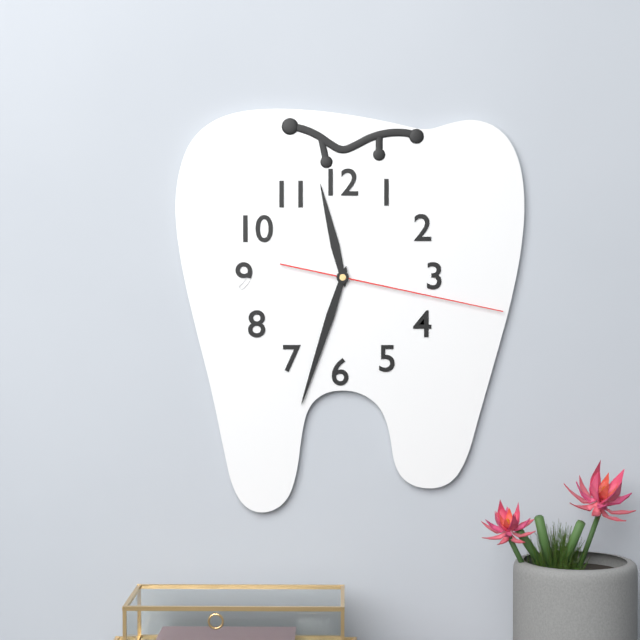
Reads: 11.33.17
